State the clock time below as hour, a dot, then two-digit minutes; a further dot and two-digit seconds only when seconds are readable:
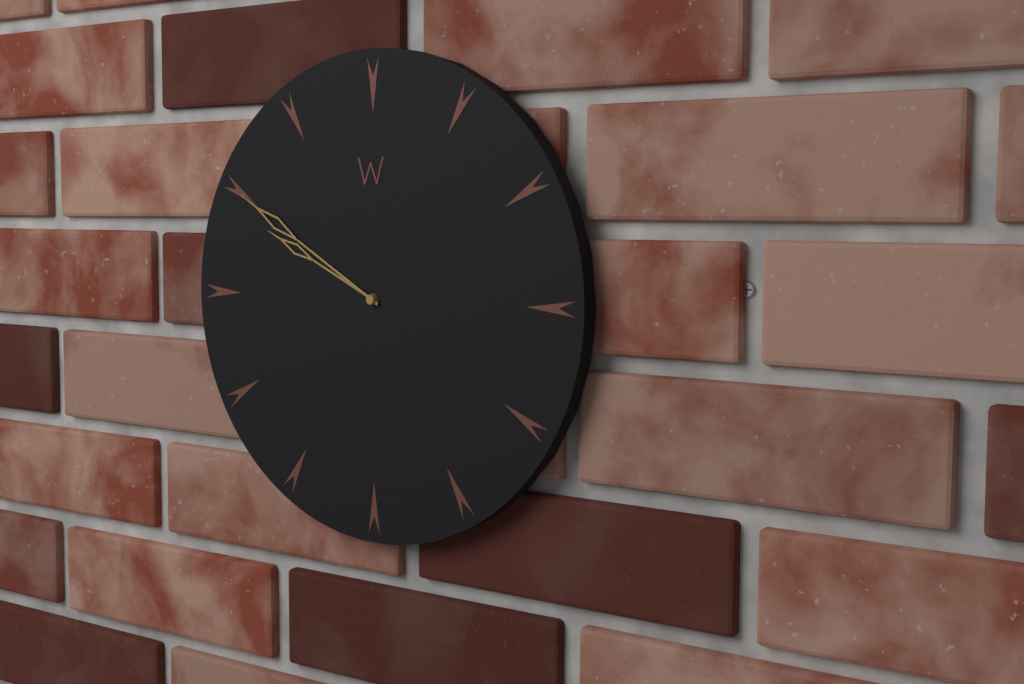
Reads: 9.50
